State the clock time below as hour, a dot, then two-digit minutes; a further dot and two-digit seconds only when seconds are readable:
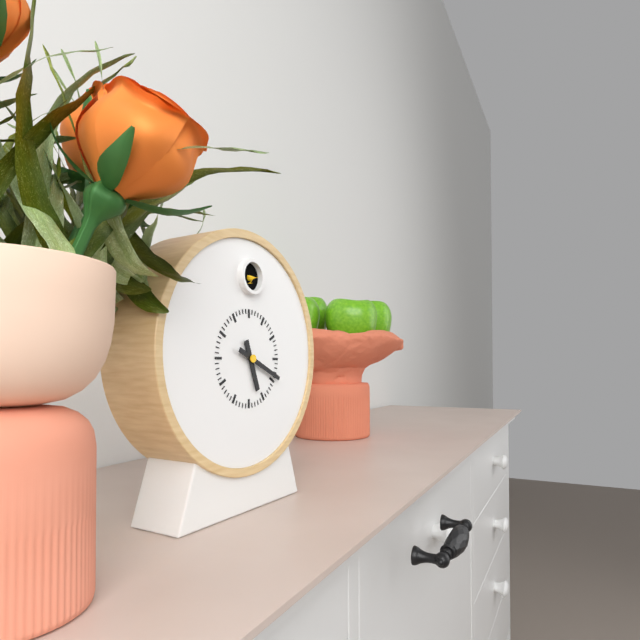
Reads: 5.19
